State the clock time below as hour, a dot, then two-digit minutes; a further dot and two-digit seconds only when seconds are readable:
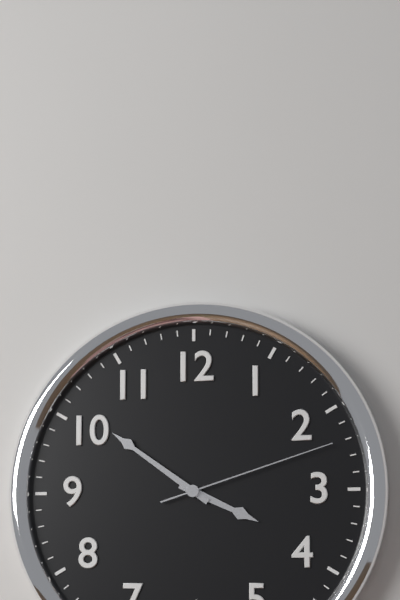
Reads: 3.51.12
